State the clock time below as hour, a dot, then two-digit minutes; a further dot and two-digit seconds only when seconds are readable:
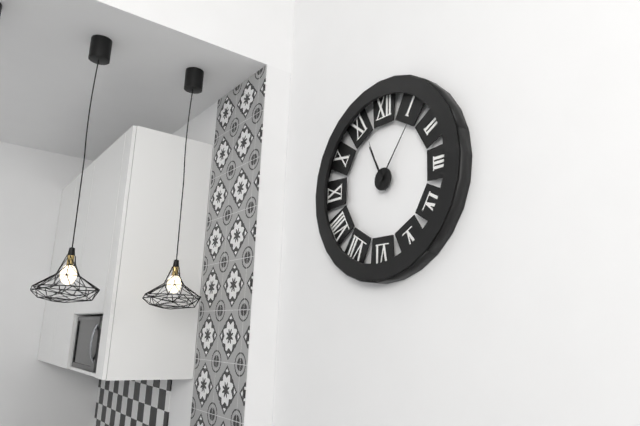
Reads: 11.06.56
